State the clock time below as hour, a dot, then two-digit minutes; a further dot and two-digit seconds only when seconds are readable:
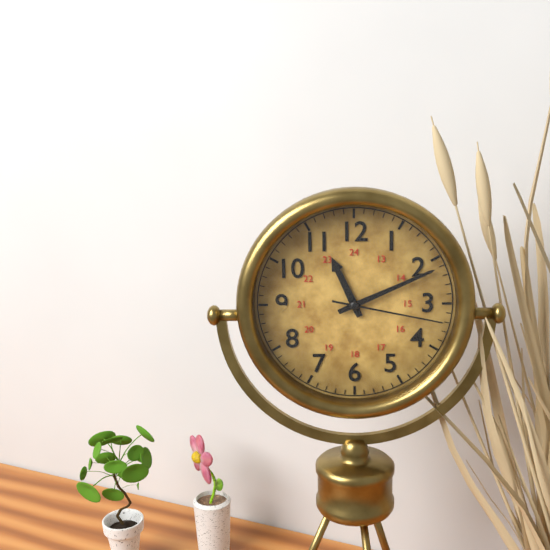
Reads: 11.11.17
